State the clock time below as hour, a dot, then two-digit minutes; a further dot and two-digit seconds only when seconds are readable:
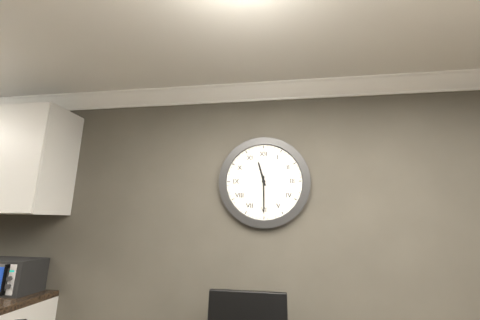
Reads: 11.30
